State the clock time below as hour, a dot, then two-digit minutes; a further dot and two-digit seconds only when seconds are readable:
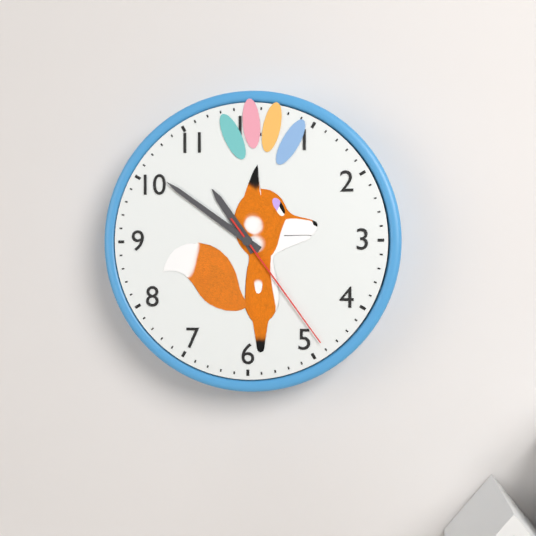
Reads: 10.51.24
